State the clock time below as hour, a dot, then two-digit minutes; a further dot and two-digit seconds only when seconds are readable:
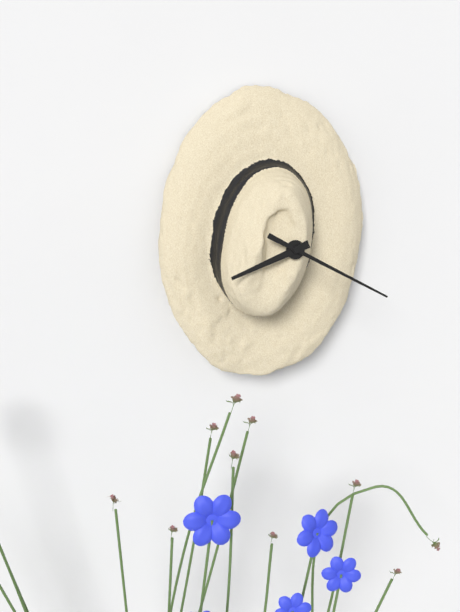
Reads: 8.20
